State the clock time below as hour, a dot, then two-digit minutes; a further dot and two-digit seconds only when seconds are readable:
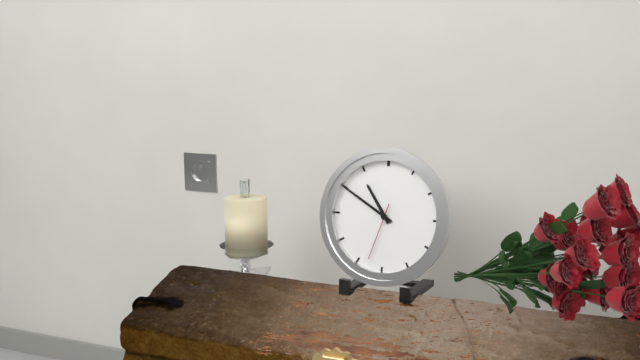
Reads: 10.50.33
